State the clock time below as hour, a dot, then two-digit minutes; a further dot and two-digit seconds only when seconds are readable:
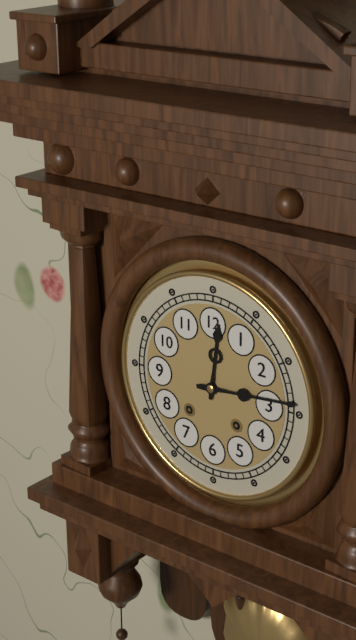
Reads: 12.14
